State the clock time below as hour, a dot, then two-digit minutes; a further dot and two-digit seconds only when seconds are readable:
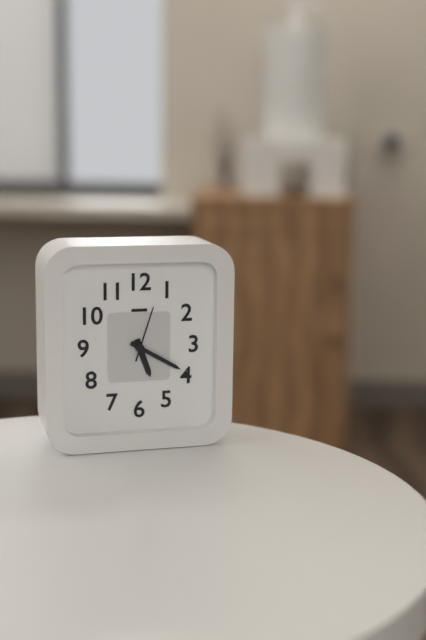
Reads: 5.20.03
